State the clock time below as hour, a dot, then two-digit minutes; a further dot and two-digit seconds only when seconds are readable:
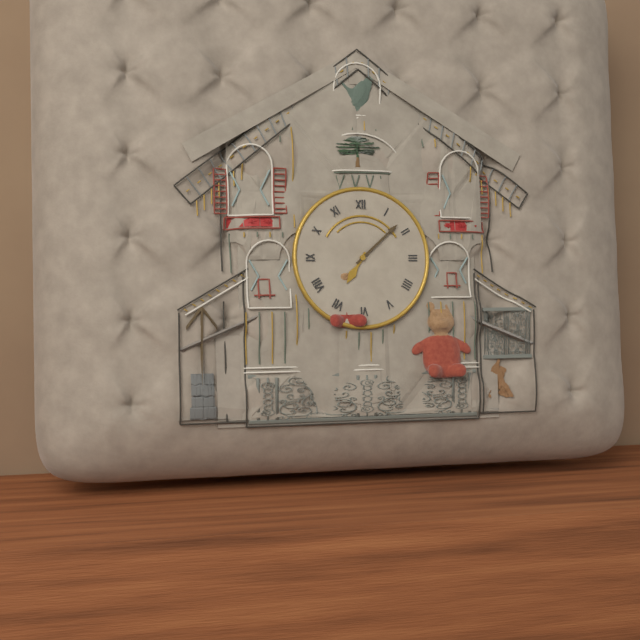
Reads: 7.08
